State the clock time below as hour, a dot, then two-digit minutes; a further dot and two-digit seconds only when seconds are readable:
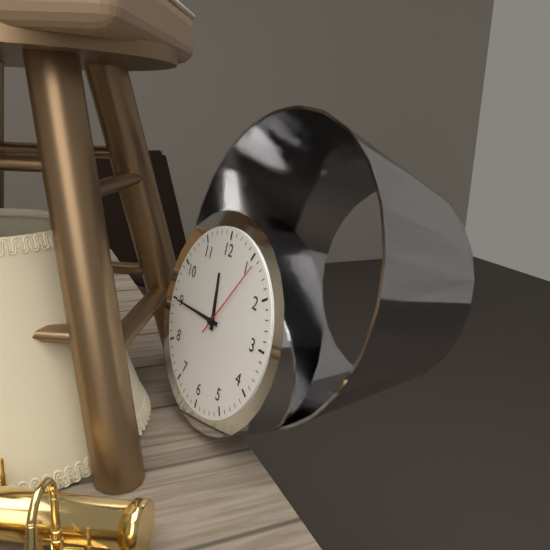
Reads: 11.45.06
